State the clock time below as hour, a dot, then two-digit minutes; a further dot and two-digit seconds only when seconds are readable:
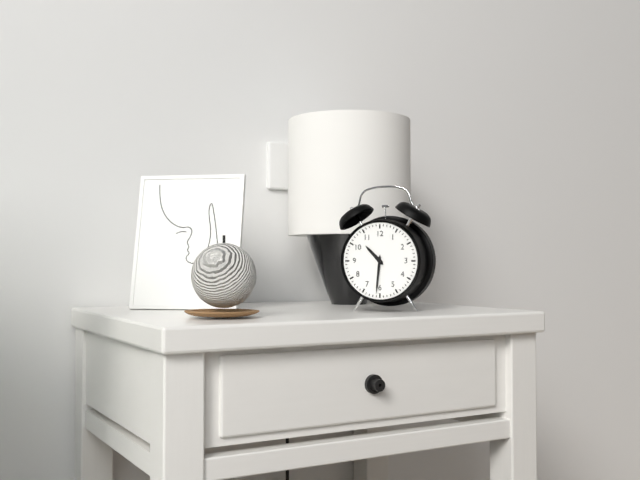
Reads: 10.31
